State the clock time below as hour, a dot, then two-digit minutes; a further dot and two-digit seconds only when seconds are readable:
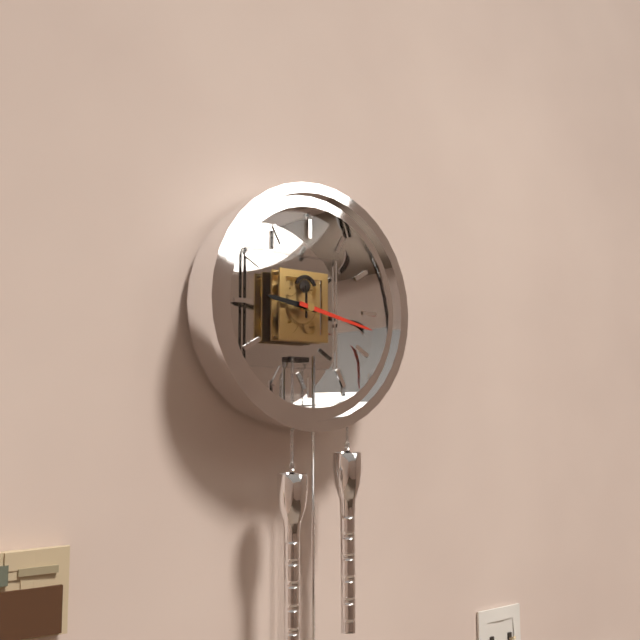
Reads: 9.17
